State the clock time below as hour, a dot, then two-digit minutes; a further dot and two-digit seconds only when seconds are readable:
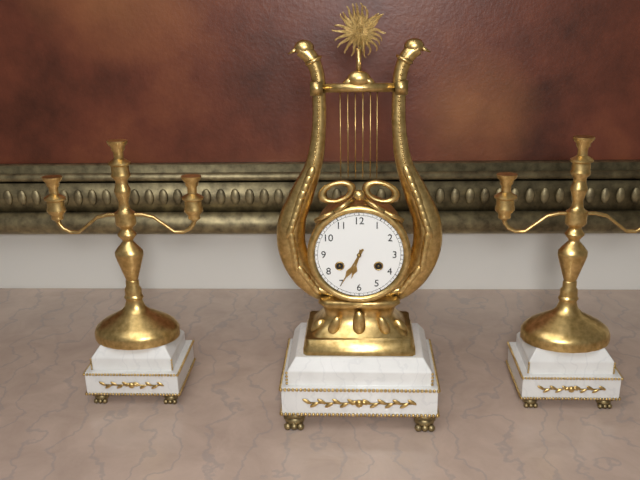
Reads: 6.35
